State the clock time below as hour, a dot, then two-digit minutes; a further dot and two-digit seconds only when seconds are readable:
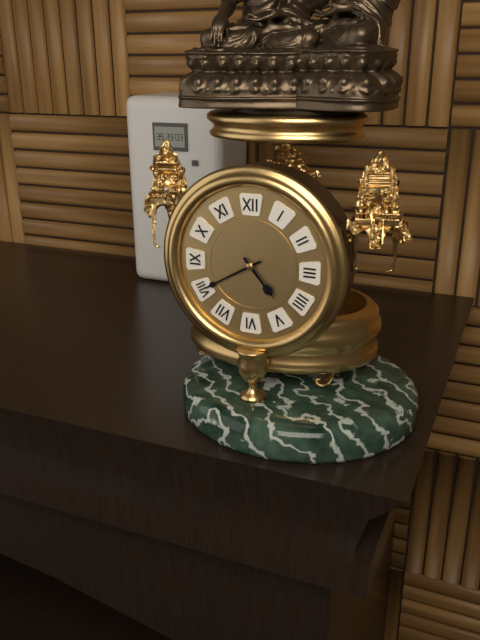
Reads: 4.40
